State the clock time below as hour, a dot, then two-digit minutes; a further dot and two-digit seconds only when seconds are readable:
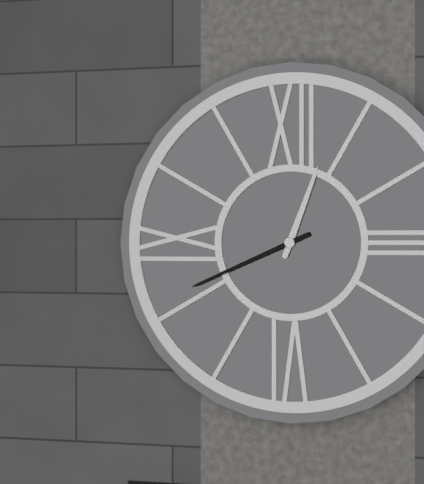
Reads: 12.41
